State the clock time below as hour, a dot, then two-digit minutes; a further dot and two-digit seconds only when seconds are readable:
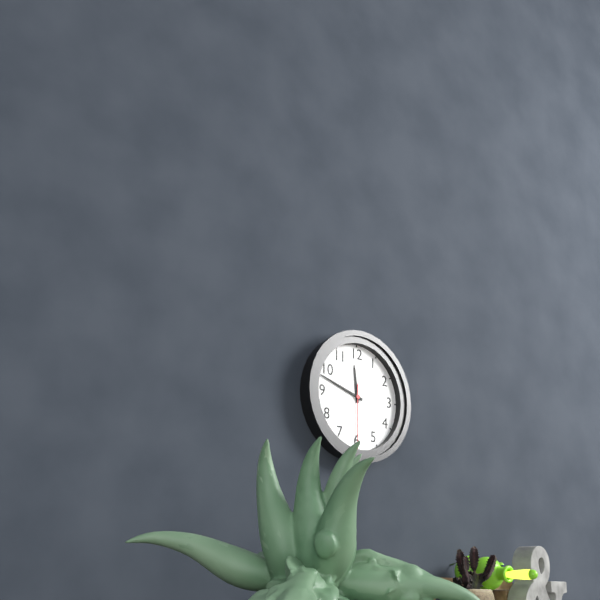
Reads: 11.48.30
